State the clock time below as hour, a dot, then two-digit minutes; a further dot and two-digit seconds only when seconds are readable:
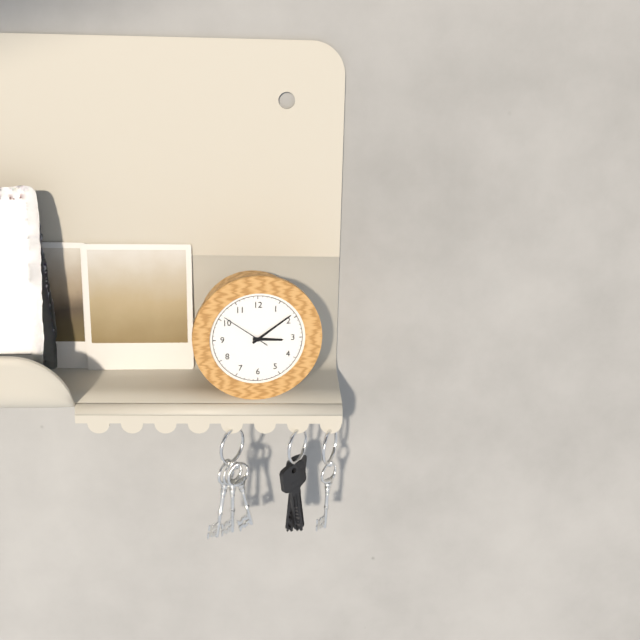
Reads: 3.09
